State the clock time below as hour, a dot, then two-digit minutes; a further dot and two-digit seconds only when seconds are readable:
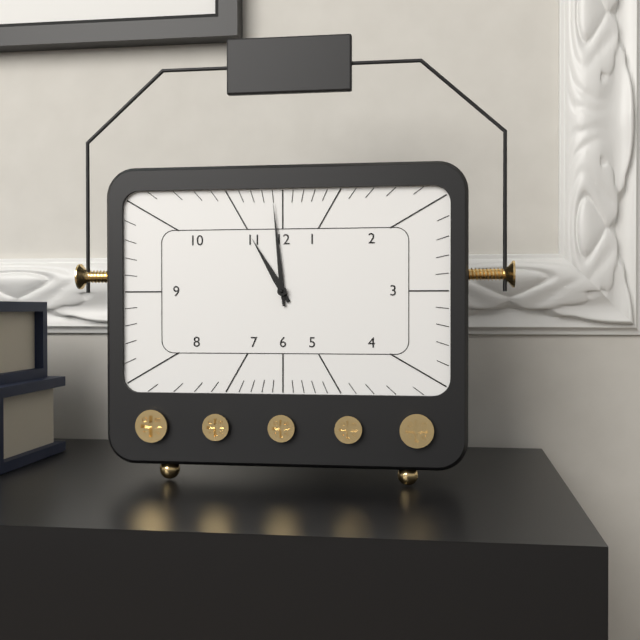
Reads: 10.59
